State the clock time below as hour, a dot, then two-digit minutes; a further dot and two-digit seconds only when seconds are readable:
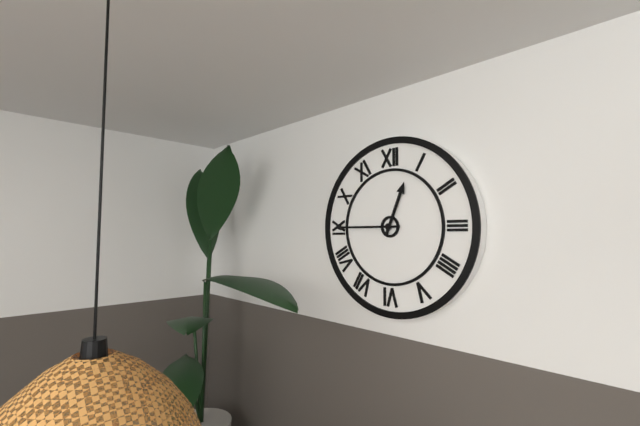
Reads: 12.45
